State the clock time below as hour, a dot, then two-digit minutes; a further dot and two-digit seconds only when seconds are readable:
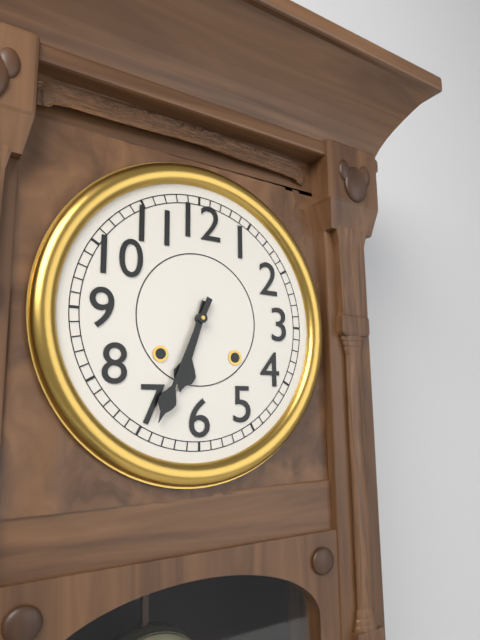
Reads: 6.34
